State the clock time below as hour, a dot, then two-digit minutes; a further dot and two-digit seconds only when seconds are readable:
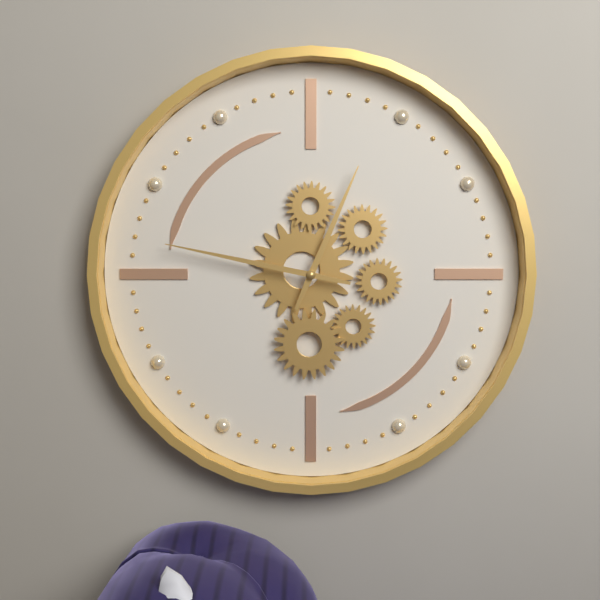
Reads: 12.47
